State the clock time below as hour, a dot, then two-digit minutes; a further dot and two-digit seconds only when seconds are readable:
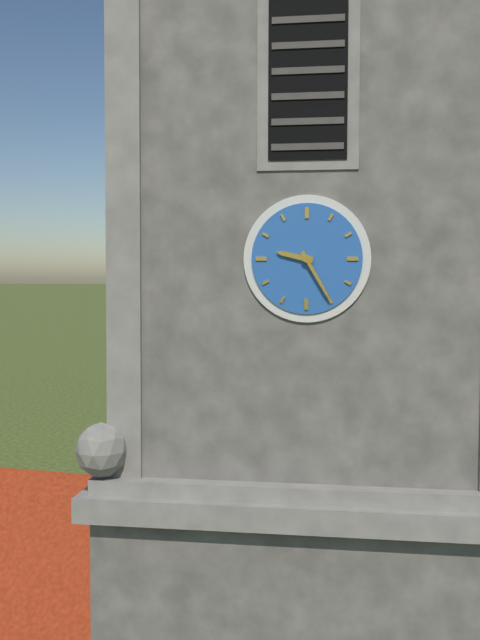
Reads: 9.25
